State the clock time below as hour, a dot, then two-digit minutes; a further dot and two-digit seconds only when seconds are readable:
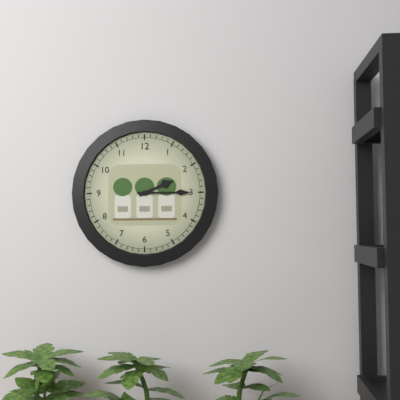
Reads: 2.15
